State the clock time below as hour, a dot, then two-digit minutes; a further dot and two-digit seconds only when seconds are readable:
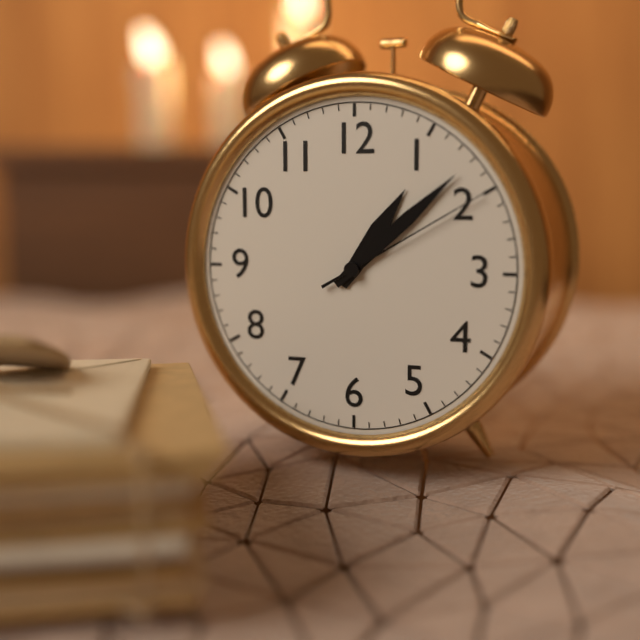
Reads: 1.08.10
